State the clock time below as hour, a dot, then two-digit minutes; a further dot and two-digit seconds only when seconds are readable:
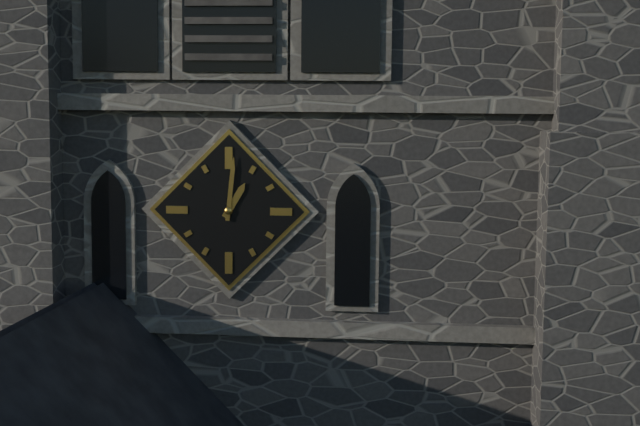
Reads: 1.01
